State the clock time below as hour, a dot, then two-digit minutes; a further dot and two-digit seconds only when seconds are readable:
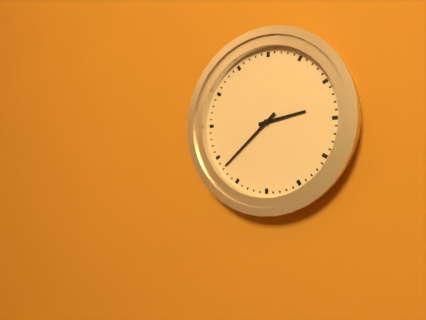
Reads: 2.38
